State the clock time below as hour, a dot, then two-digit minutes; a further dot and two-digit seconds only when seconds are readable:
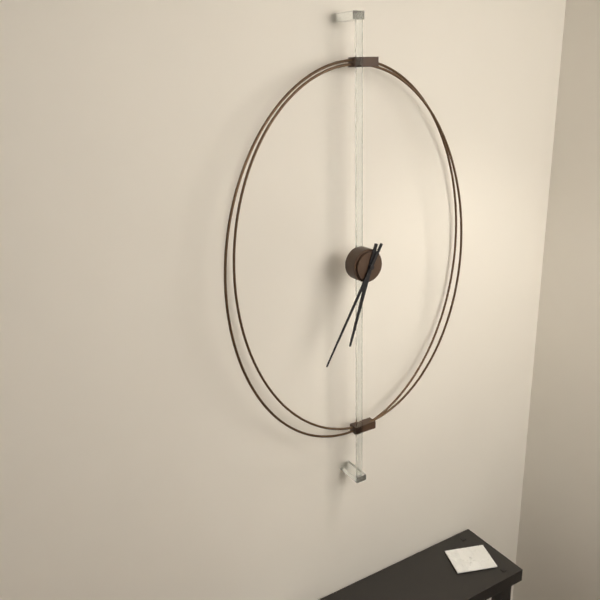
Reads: 6.35
